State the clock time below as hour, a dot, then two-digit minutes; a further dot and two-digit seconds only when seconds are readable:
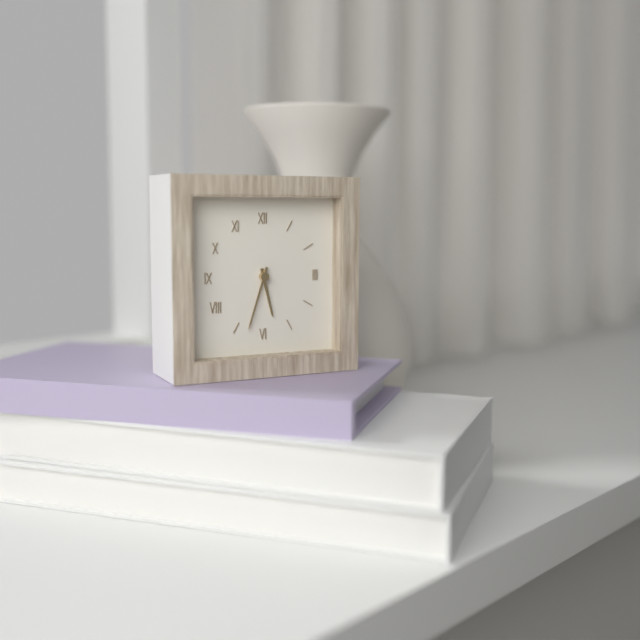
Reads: 5.33
